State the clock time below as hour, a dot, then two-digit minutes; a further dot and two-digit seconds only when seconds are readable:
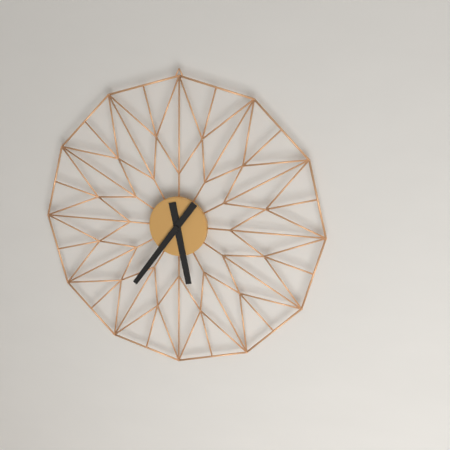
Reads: 5.36
